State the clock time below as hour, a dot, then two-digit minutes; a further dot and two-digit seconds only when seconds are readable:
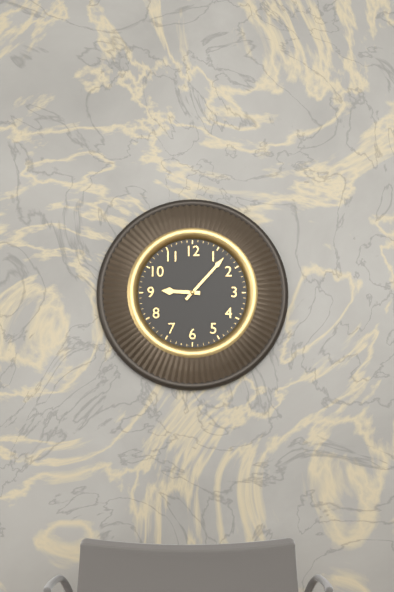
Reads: 9.07
